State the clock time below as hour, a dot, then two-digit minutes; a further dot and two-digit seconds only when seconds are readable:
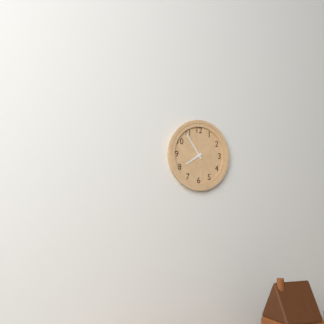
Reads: 7.54
